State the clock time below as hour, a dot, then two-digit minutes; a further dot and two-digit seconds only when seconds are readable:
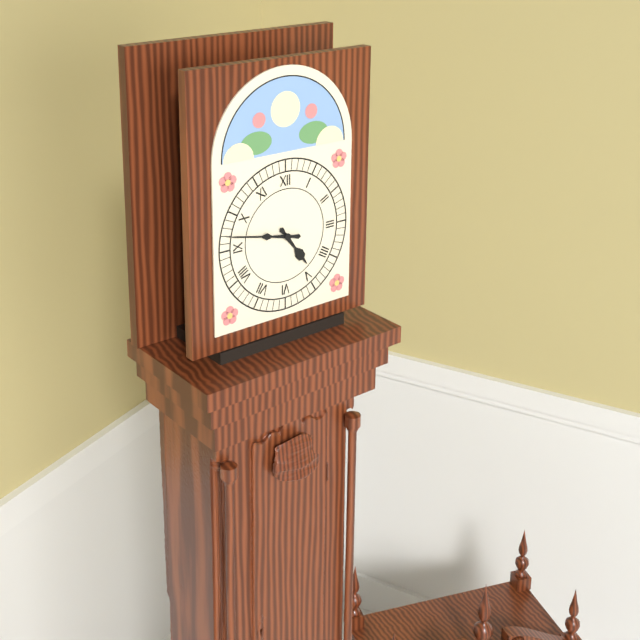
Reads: 4.47
